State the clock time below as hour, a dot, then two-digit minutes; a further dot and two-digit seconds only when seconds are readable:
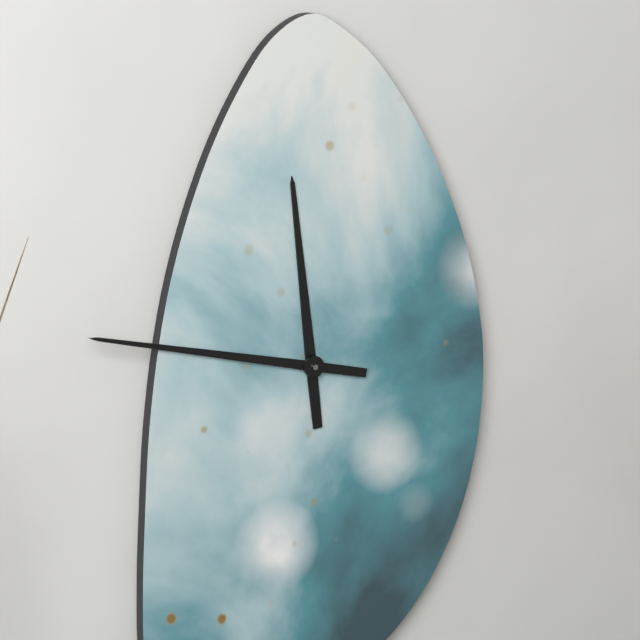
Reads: 11.47
